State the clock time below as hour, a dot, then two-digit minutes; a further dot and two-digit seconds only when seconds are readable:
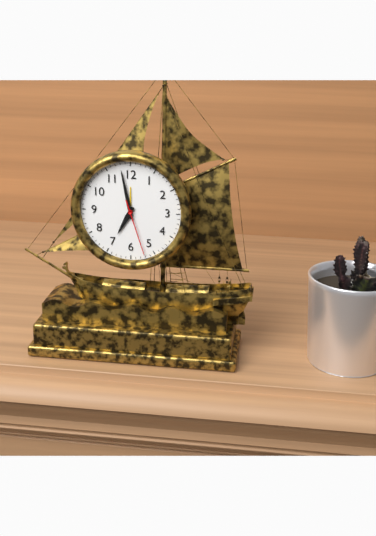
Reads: 6.58.27
